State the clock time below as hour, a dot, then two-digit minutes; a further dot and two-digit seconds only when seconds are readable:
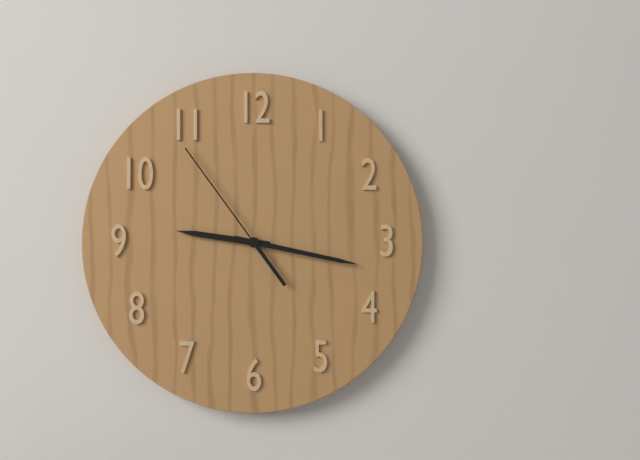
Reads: 9.17.54
